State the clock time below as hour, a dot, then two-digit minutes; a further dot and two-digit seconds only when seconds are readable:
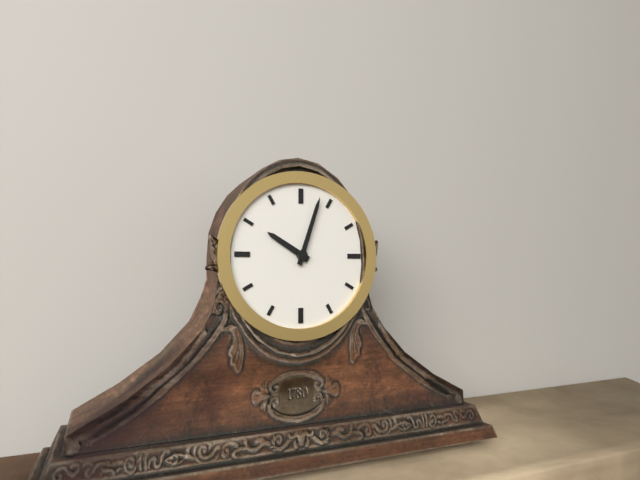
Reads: 10.03
